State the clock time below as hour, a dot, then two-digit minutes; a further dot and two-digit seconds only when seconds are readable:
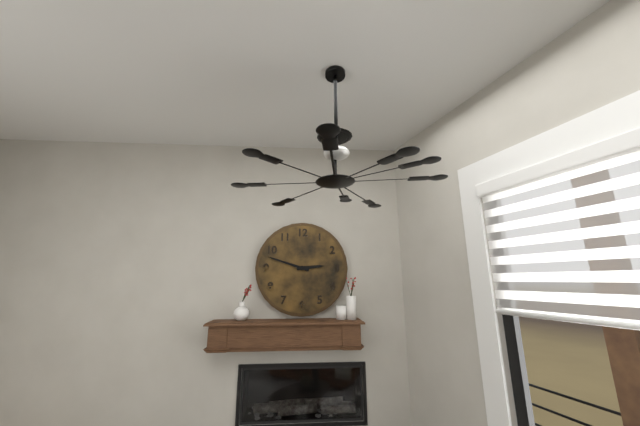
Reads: 2.48
